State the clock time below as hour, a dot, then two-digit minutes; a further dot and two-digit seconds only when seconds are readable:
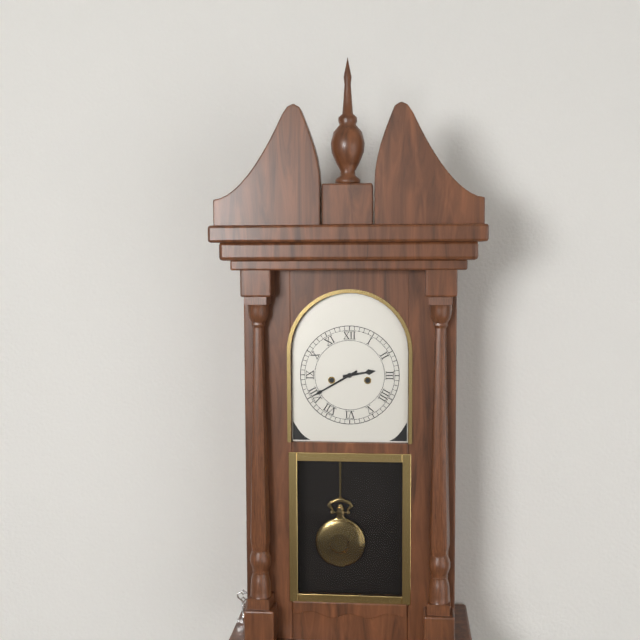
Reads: 2.40
